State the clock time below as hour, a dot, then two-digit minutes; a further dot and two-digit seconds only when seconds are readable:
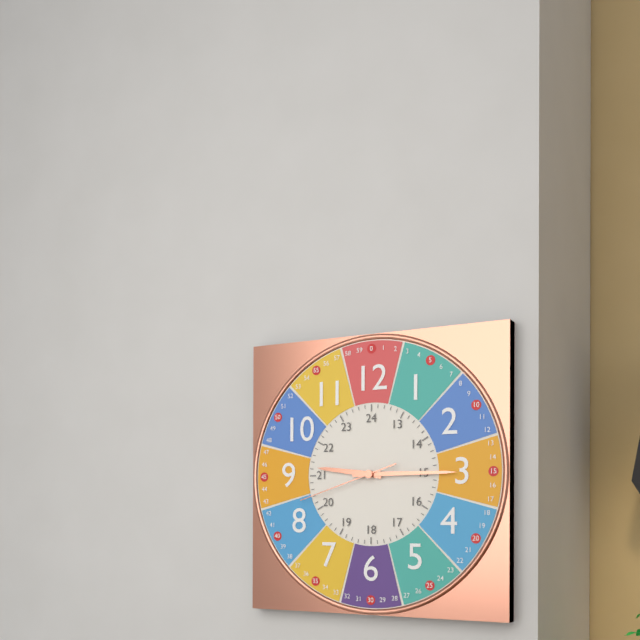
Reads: 9.15.42
